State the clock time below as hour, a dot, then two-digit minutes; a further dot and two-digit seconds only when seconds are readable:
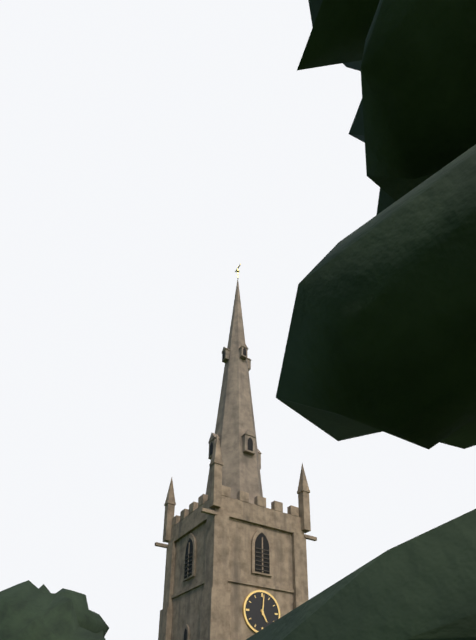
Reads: 5.01
